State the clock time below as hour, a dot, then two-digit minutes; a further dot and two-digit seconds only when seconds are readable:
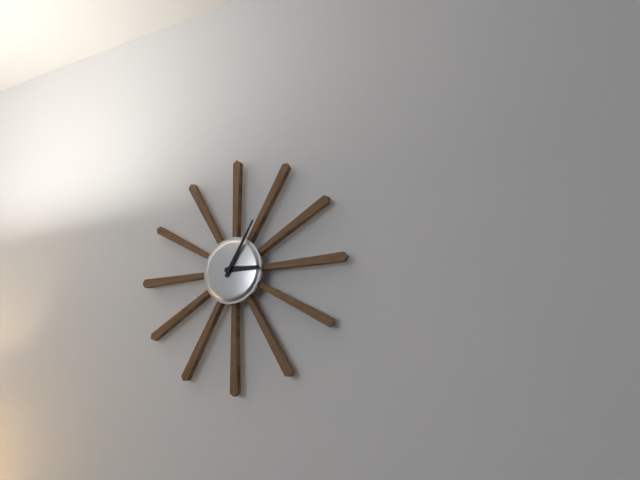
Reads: 3.05
